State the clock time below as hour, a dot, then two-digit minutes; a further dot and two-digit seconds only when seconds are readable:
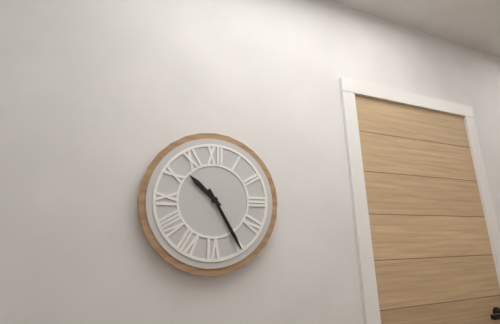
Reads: 10.25
